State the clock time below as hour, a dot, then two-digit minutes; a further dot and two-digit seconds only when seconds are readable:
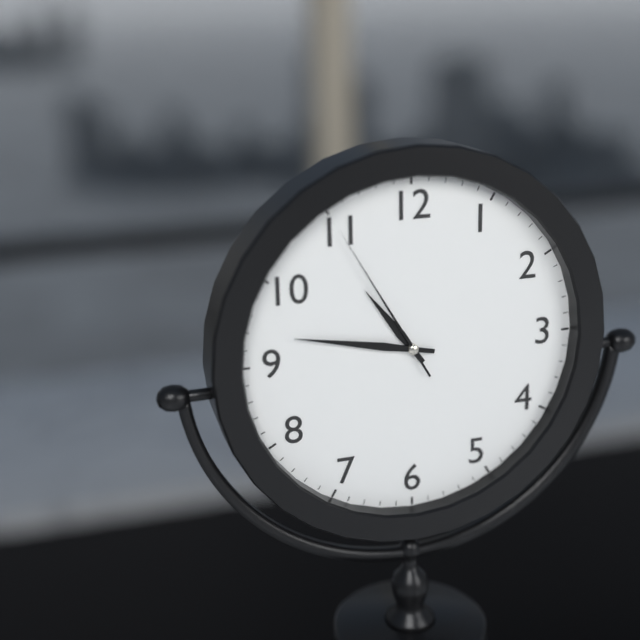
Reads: 10.47.55
